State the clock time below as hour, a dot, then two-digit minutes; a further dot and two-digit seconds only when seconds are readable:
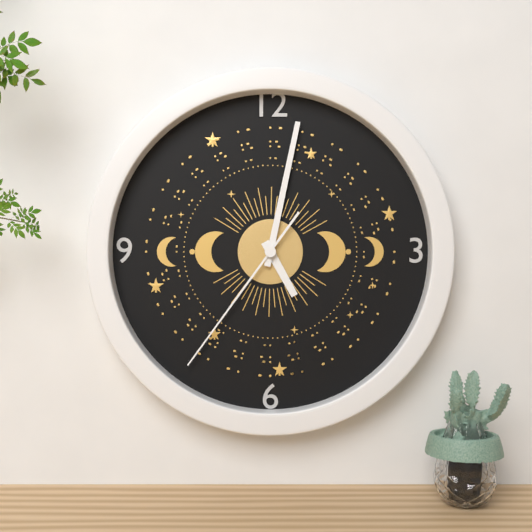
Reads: 5.02.36
